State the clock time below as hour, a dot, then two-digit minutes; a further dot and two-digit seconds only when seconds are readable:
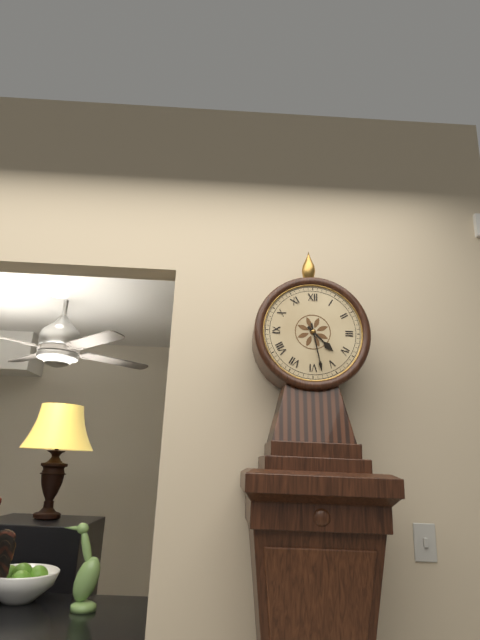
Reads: 4.28
